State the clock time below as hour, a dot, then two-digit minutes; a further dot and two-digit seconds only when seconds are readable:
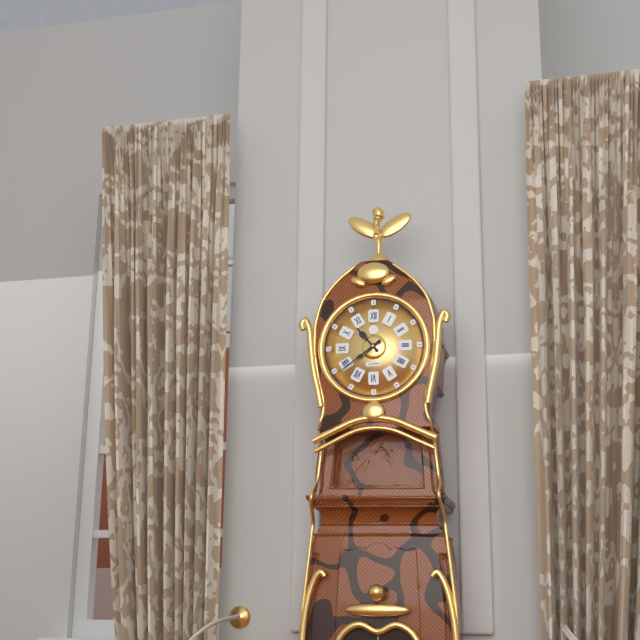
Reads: 10.39
